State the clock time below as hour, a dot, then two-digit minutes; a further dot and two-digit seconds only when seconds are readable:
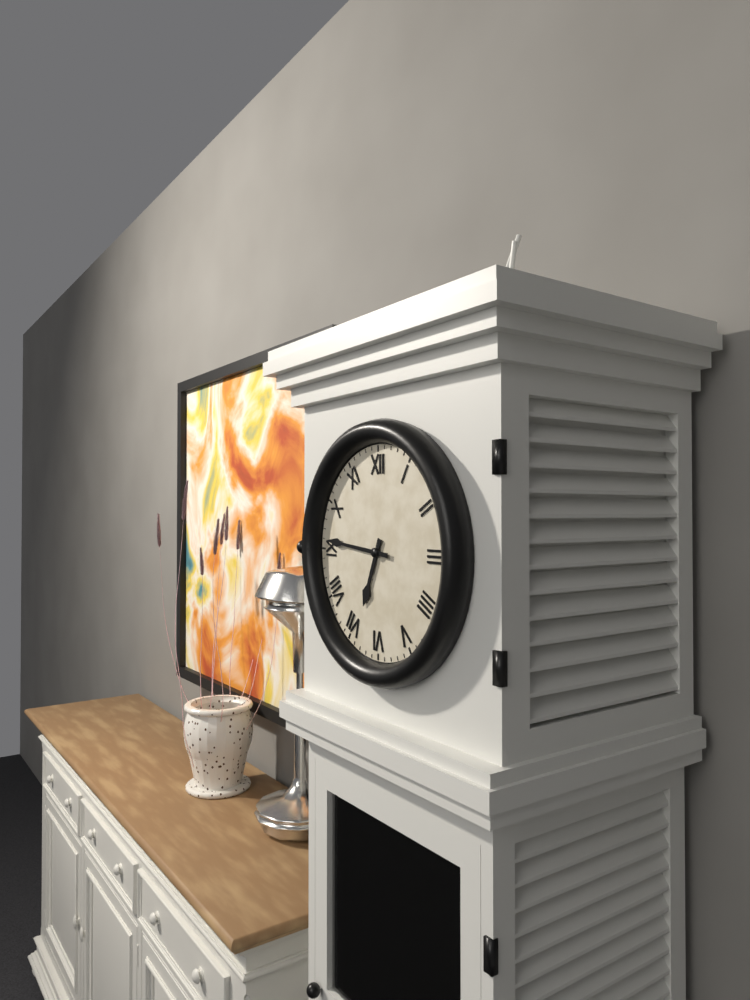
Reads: 6.46
